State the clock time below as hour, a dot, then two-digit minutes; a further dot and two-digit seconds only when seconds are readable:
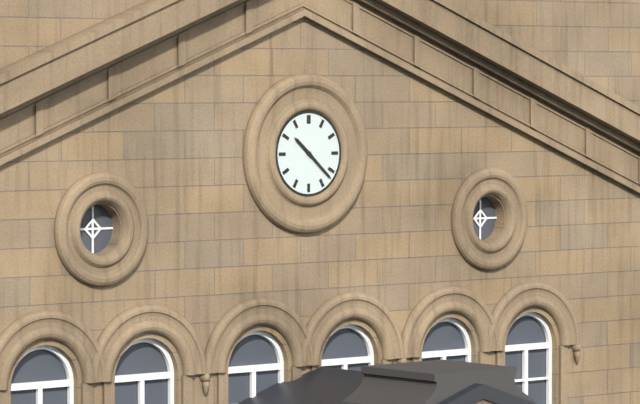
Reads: 10.22
